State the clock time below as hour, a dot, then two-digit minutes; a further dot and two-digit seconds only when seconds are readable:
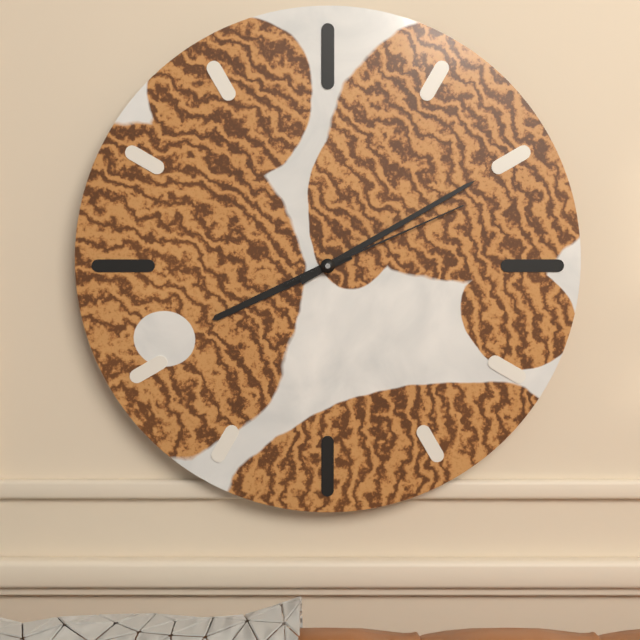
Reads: 8.10.11
